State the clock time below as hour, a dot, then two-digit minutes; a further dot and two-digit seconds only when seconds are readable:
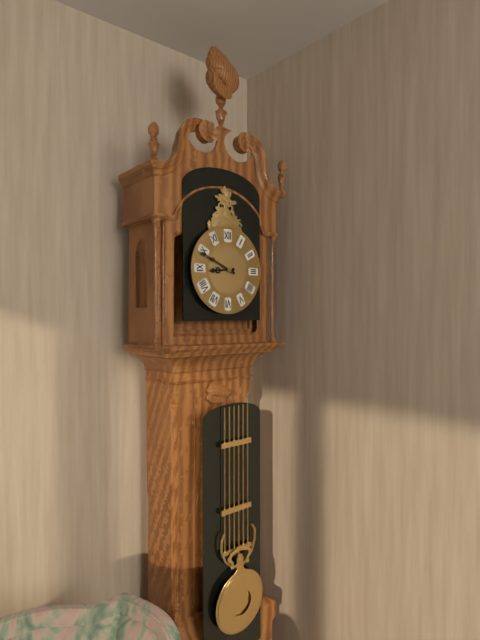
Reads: 8.49
